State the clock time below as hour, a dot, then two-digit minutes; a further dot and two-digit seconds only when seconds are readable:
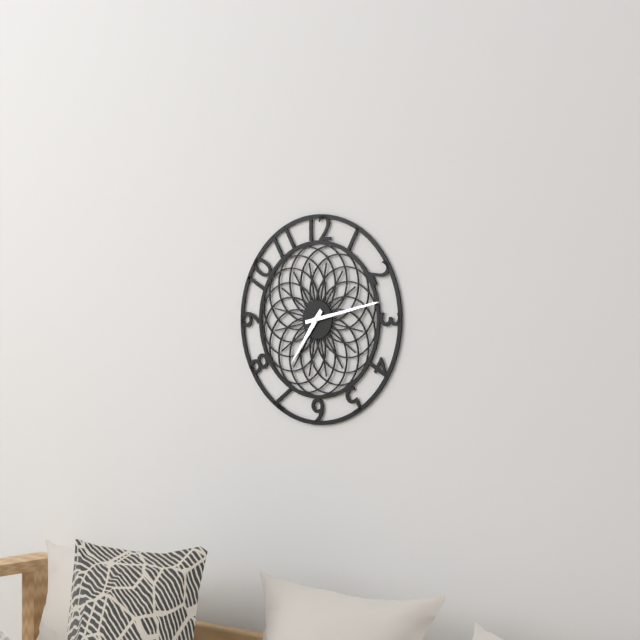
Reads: 7.13
